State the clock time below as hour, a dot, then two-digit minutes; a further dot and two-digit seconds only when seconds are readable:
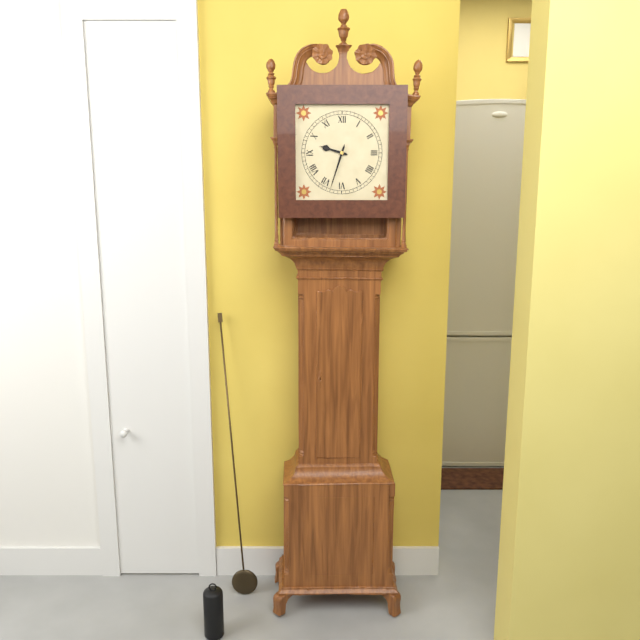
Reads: 9.33
